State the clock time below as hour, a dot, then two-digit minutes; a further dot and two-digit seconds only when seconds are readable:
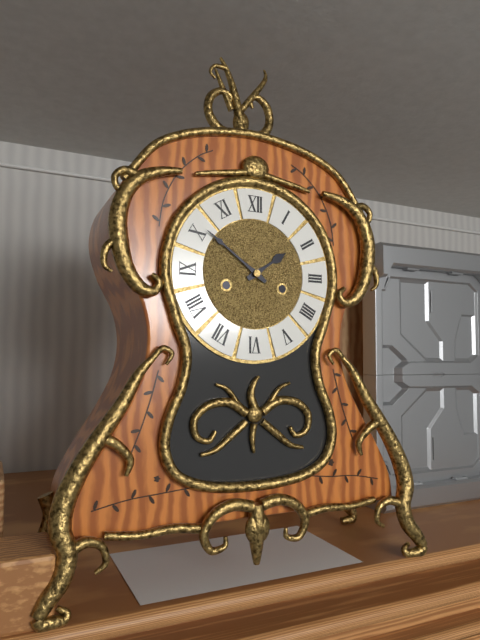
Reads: 1.51
